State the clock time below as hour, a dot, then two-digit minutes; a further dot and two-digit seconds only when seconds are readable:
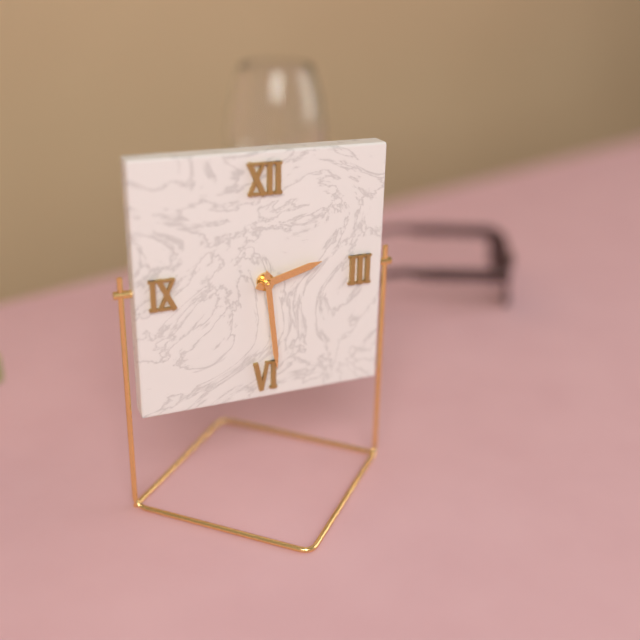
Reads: 2.29
